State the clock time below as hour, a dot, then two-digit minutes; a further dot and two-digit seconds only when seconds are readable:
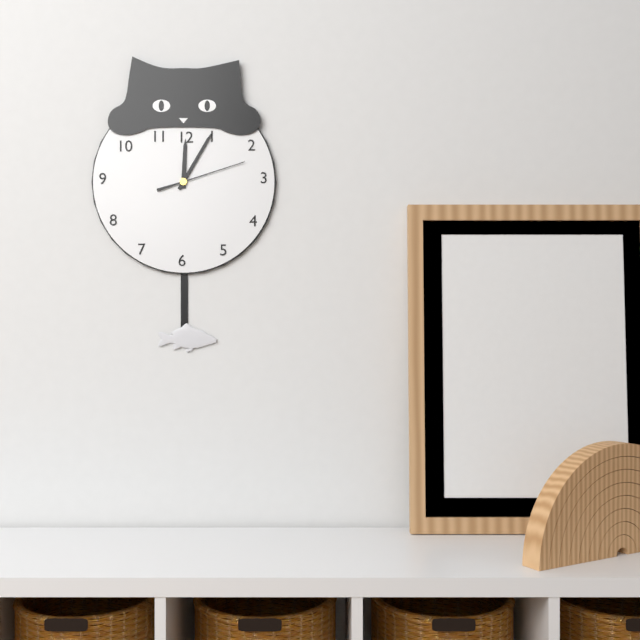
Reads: 12.05.12
